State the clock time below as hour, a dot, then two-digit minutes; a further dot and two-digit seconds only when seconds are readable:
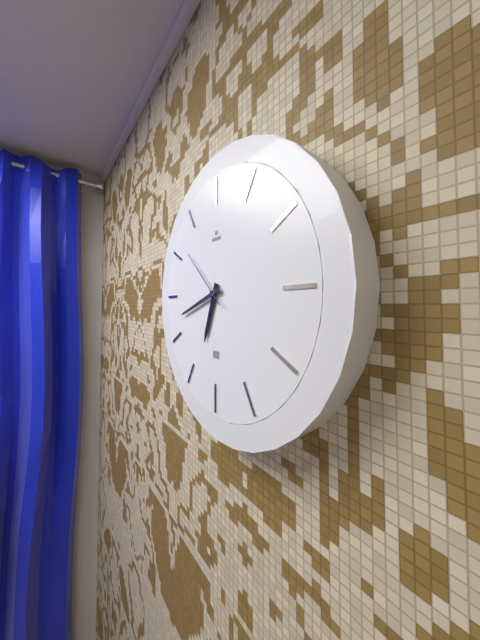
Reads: 6.42.52
